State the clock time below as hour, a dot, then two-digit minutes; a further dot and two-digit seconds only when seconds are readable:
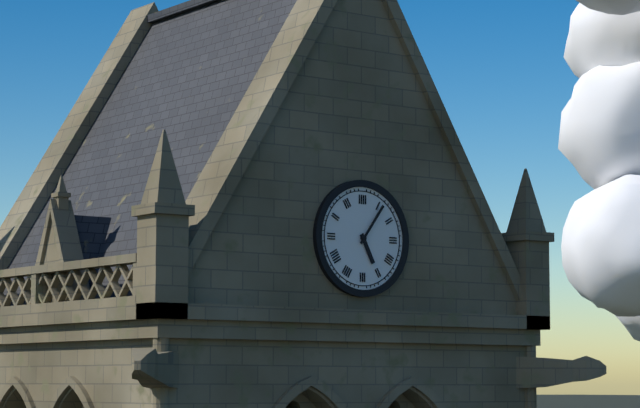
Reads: 5.06
